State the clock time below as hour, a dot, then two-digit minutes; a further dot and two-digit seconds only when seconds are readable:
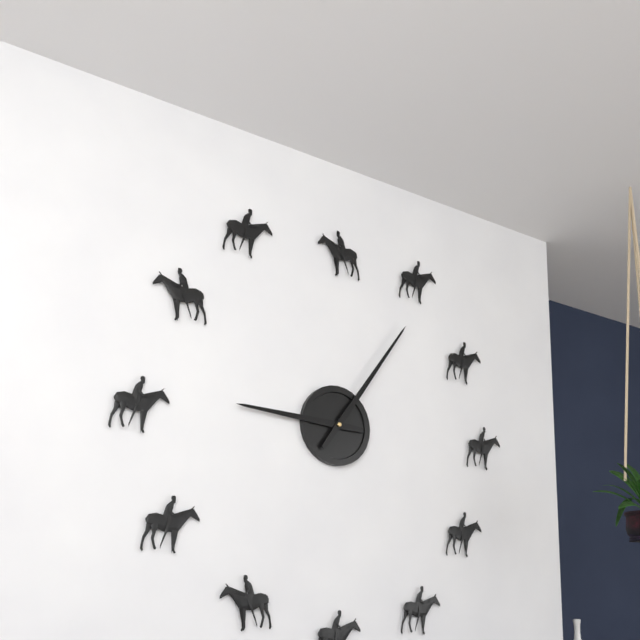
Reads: 9.06
